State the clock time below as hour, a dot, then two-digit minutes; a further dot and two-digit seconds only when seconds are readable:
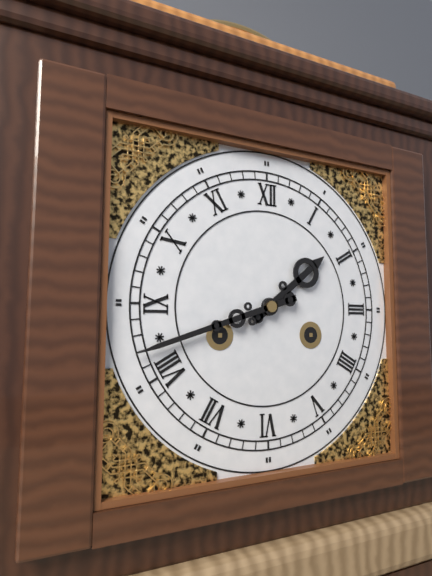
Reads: 1.42
